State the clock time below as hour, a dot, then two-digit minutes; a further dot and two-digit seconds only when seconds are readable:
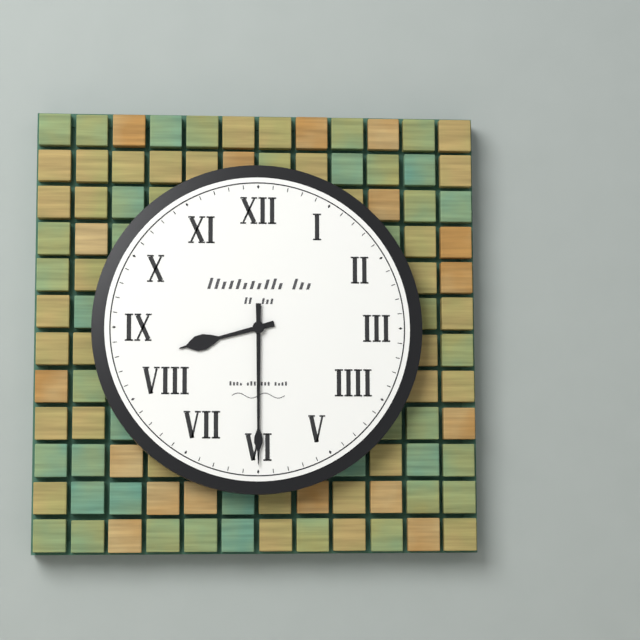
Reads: 8.30
